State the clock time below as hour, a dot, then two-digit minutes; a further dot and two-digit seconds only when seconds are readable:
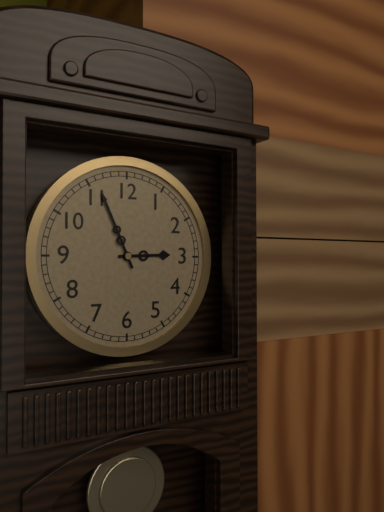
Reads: 2.56
